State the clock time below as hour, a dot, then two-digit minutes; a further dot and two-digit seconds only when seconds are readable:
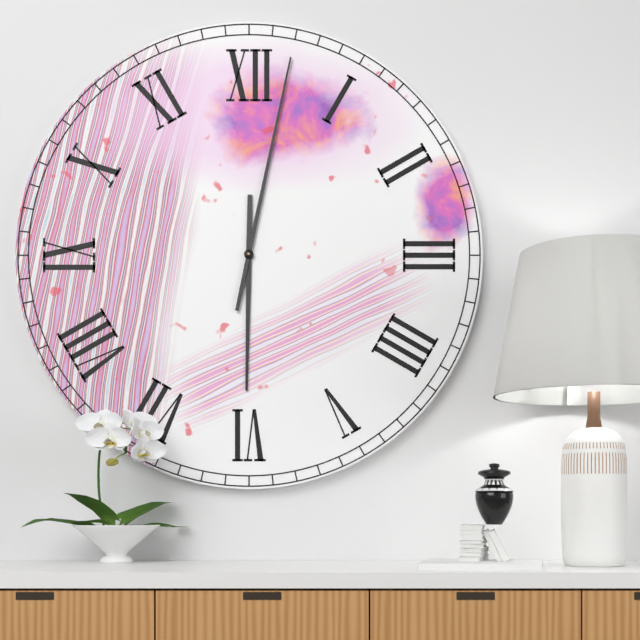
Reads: 6.02
